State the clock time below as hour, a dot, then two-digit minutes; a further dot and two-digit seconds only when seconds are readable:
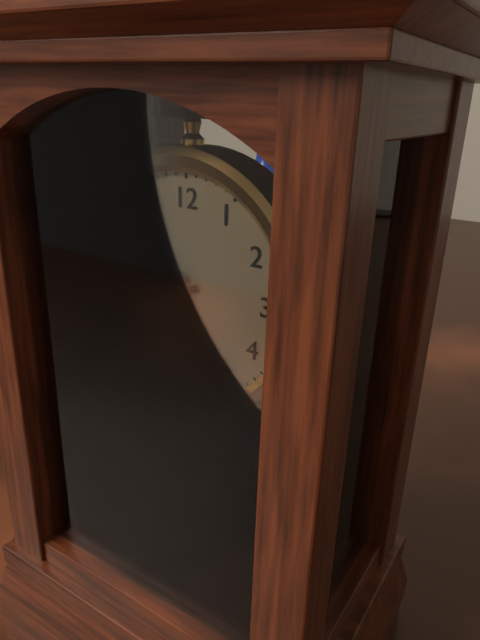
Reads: 8.28
